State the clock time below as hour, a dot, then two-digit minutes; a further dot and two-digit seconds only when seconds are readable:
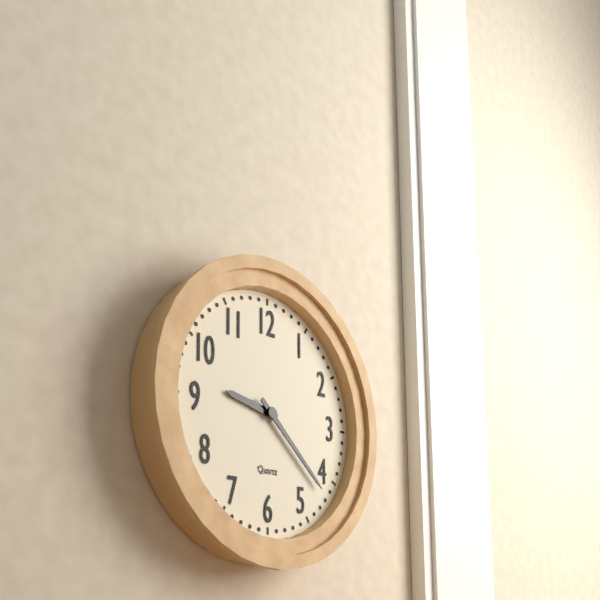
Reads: 9.22
